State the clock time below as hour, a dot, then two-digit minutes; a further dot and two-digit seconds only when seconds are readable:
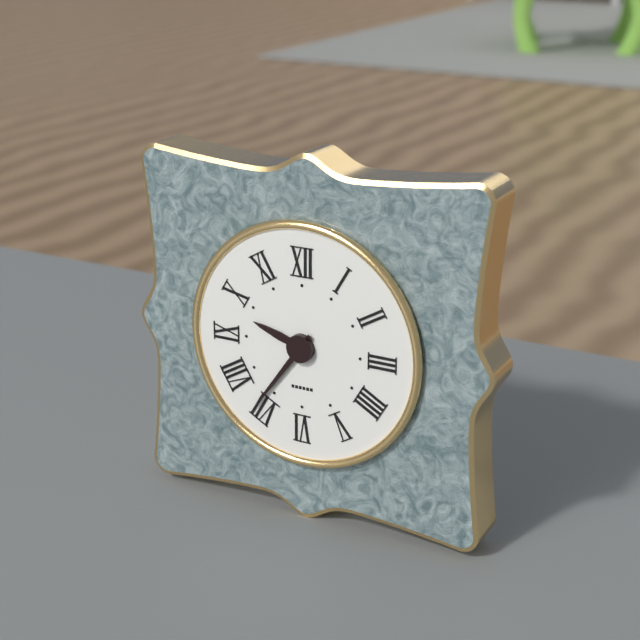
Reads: 9.36
